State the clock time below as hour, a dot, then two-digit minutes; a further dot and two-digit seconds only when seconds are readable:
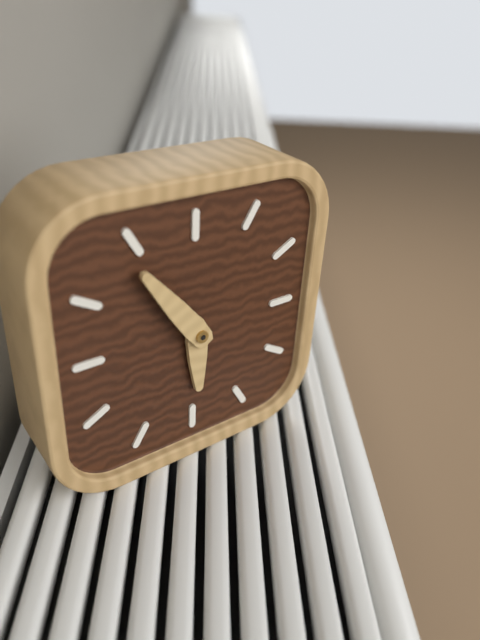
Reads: 5.54
